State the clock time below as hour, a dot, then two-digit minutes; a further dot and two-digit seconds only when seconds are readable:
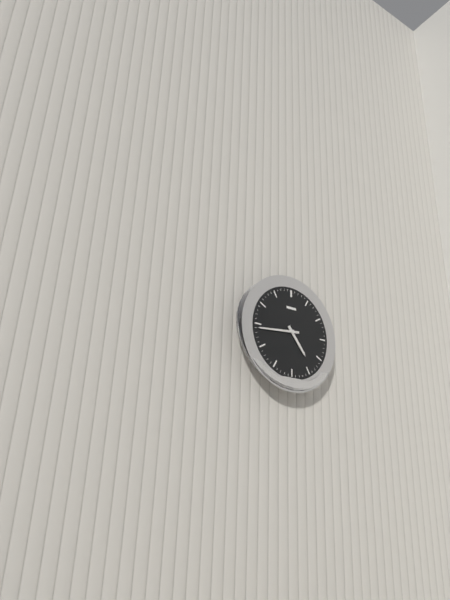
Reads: 4.44
